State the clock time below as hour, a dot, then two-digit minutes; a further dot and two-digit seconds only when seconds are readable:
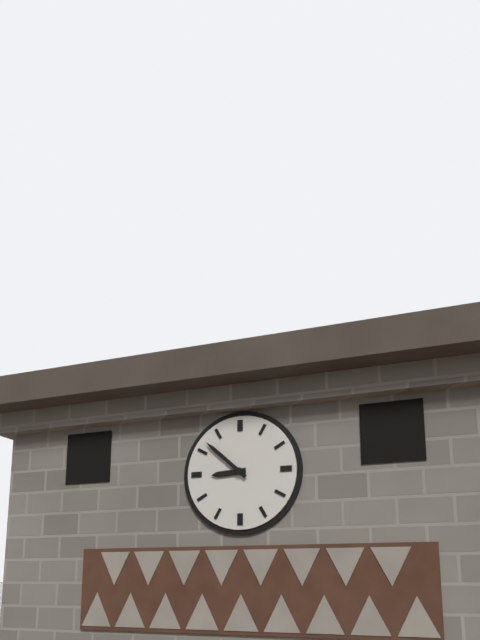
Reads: 8.52
